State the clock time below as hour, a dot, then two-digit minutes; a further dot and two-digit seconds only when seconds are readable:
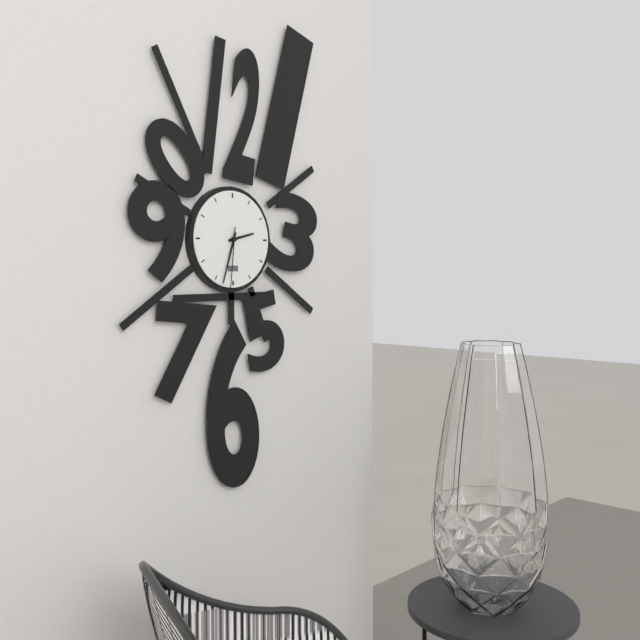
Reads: 2.33.31
